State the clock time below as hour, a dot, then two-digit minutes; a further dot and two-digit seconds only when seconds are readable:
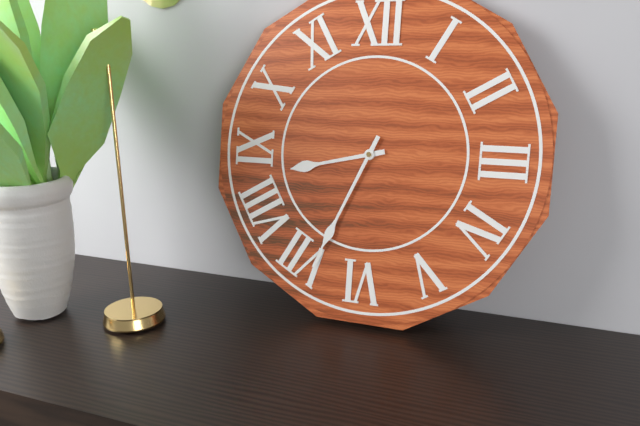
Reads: 8.34
